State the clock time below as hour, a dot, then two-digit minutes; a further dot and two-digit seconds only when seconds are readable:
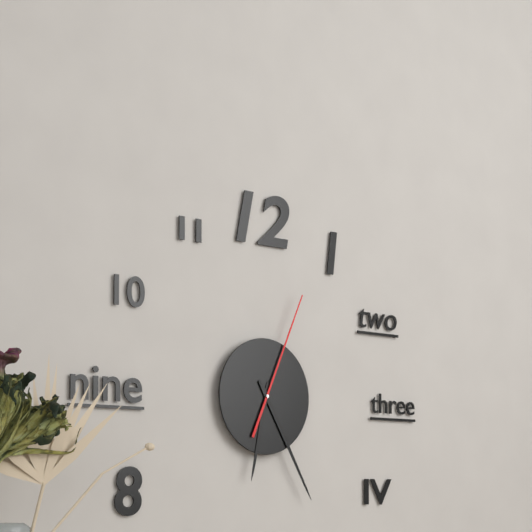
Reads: 6.25.04
